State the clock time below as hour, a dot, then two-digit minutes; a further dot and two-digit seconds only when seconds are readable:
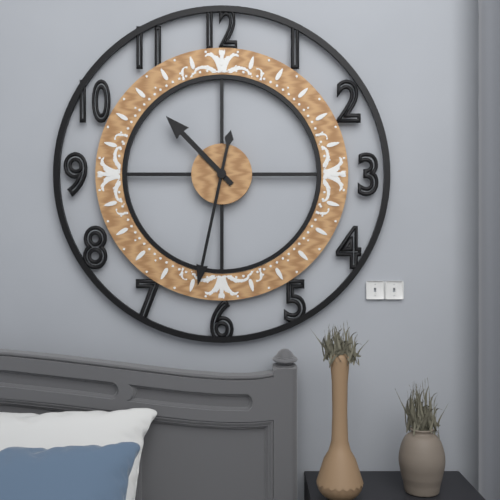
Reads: 10.32
